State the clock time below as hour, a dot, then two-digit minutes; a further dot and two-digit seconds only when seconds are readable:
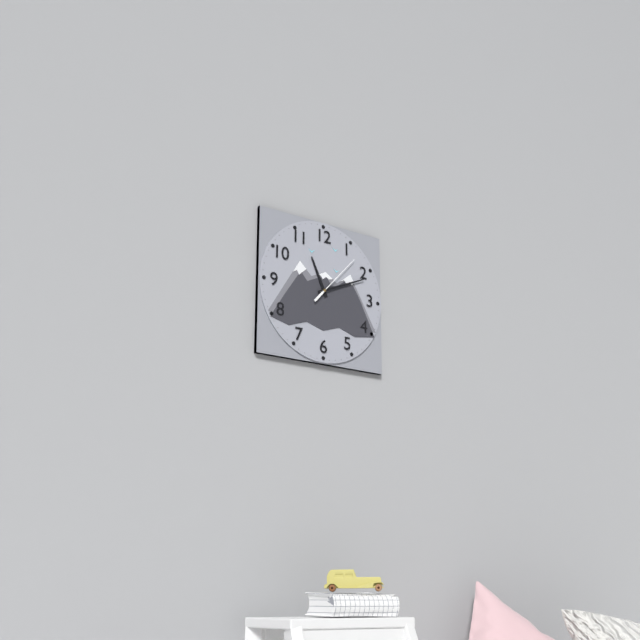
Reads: 11.11.07
